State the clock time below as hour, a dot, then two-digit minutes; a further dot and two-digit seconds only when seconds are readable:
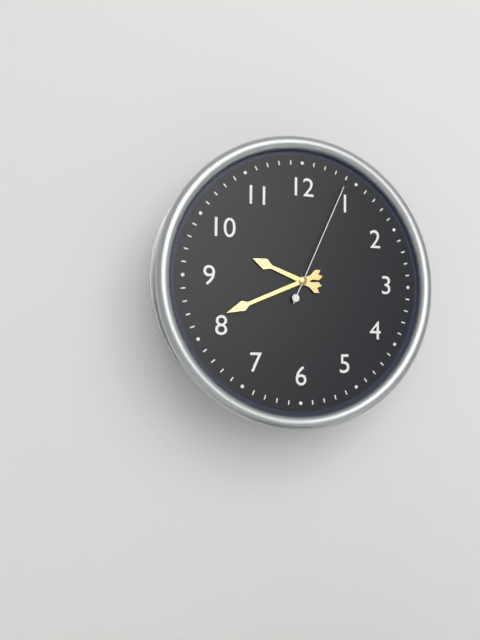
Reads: 9.41.04
